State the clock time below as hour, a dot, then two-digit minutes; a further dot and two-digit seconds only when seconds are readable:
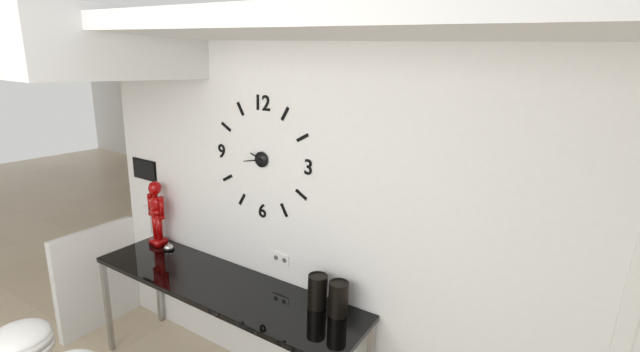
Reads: 9.43
